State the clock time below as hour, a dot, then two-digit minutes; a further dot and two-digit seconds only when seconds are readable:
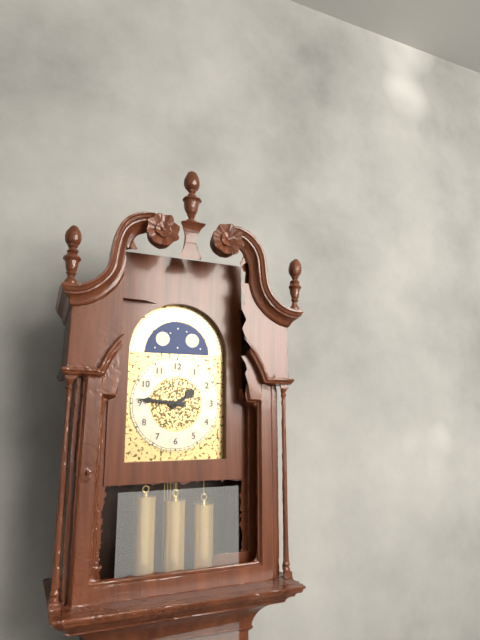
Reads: 1.46
